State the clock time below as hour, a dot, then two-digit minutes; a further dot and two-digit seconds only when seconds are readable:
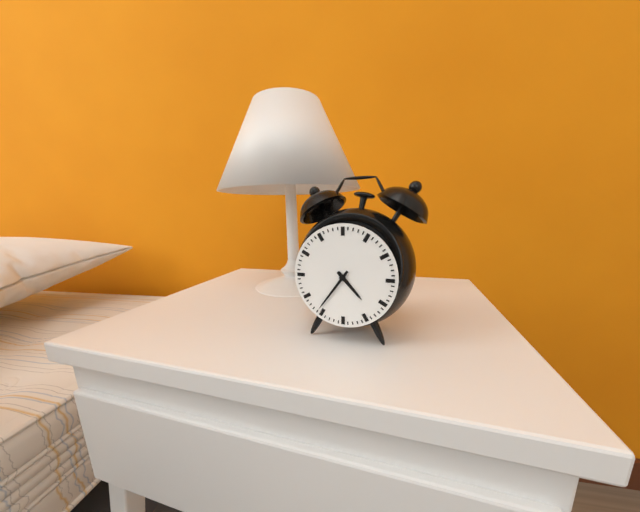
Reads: 4.36
